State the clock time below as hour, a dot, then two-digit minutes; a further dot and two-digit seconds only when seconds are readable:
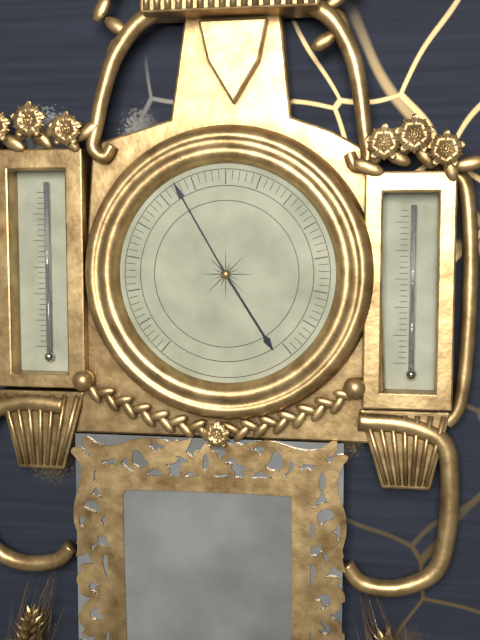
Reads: 4.55
